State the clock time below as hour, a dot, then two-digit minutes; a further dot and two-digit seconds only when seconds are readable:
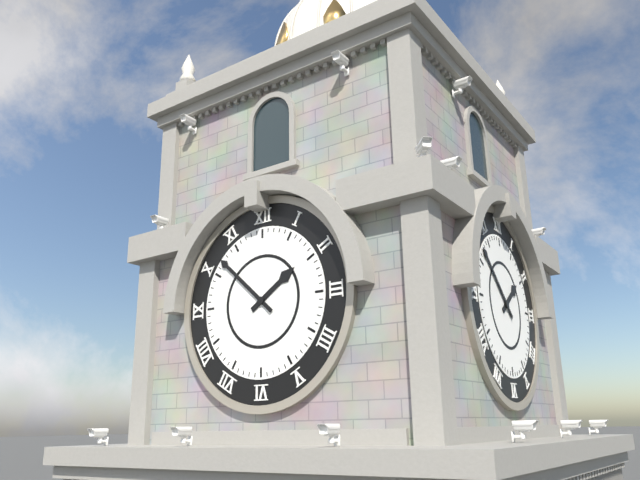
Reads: 1.52
